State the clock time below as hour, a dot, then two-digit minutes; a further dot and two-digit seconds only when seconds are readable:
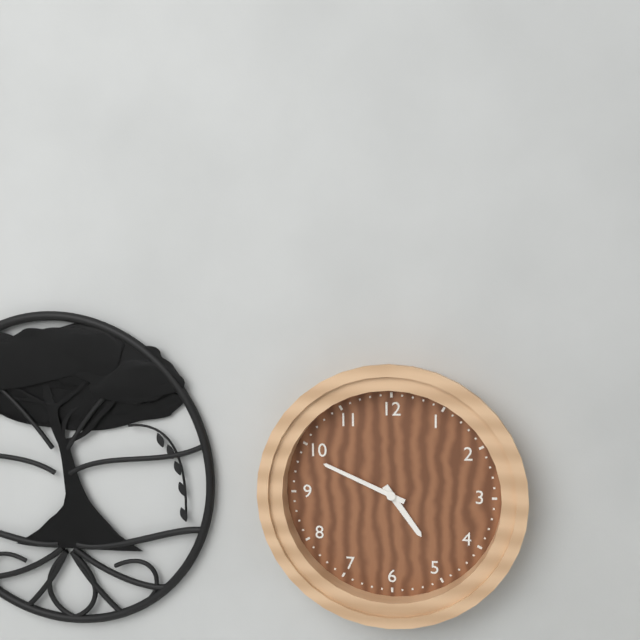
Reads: 4.49
